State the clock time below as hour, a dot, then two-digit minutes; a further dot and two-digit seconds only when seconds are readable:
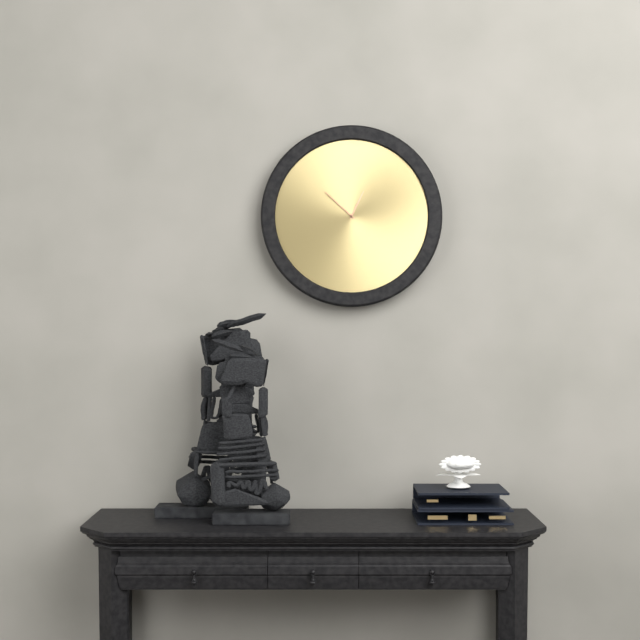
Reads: 12.52
